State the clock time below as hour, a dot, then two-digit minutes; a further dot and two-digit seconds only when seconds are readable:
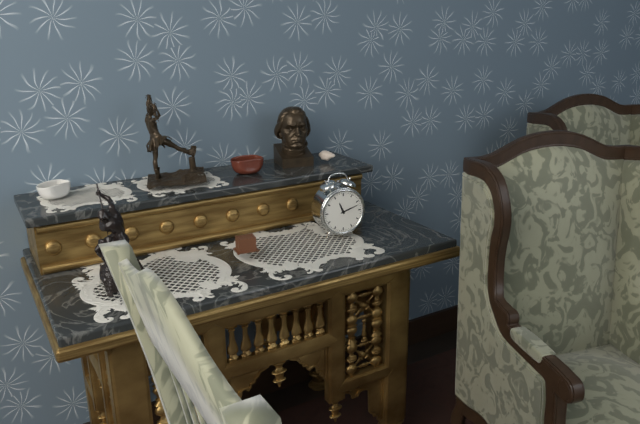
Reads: 11.12
